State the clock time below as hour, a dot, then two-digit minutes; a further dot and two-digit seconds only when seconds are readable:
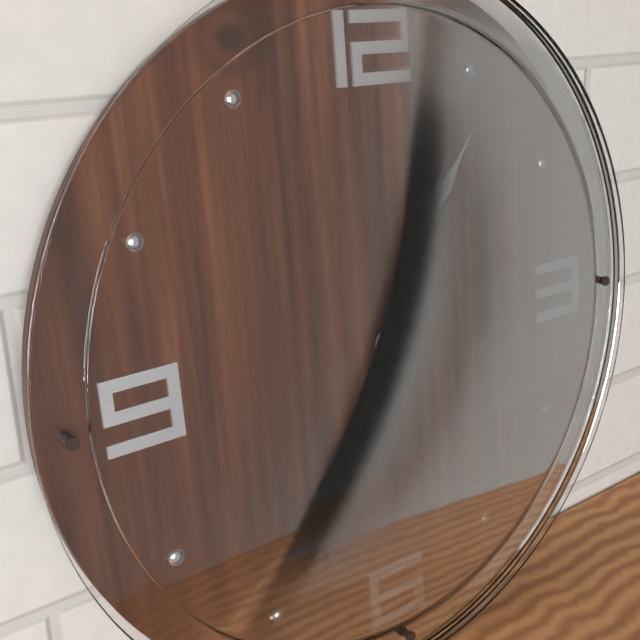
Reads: 1.06.04
